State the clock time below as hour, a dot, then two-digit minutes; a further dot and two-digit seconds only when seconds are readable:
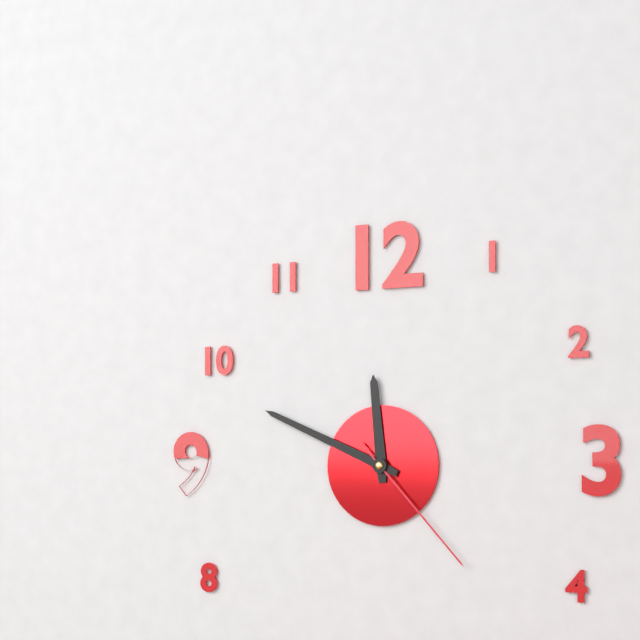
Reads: 11.49.23
